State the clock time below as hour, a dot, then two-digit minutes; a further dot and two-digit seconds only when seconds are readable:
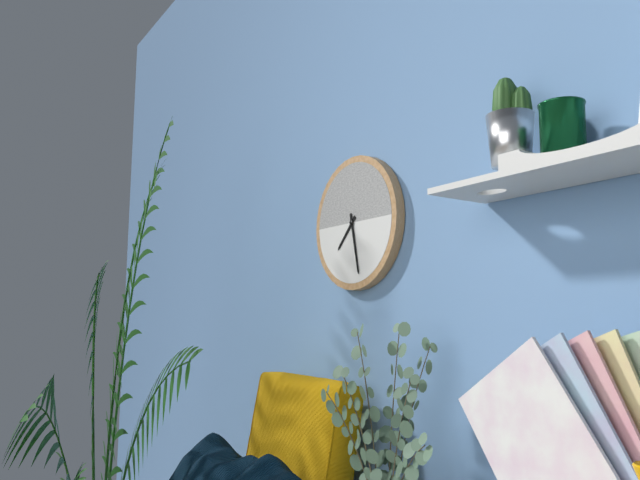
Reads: 7.28
